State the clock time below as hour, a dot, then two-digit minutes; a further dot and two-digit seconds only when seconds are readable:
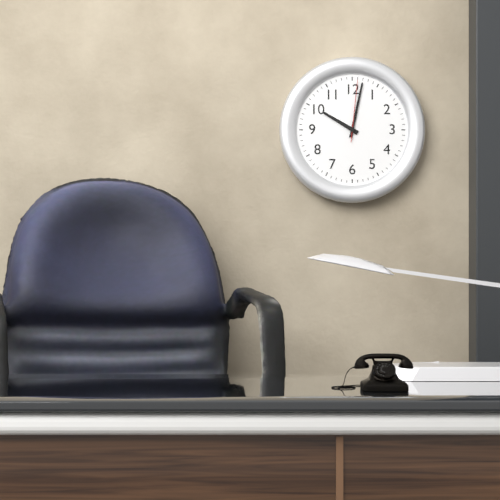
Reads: 10.02.01
